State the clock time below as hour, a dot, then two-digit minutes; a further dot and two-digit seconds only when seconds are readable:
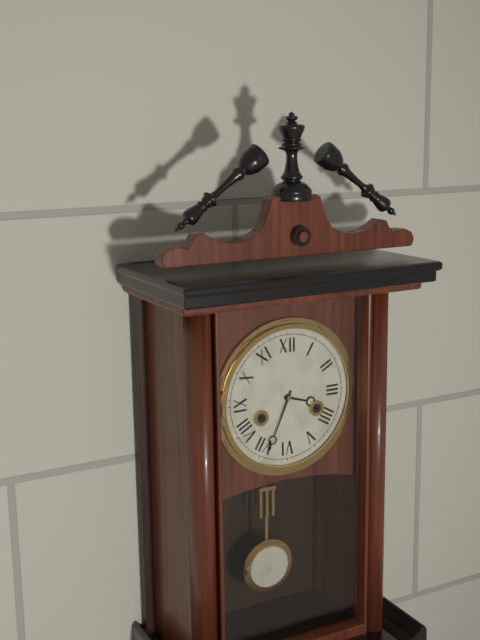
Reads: 3.34
